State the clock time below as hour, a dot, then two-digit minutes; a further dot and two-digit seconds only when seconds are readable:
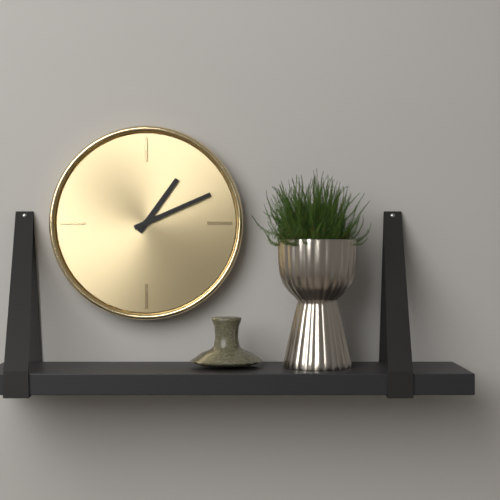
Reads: 1.11
